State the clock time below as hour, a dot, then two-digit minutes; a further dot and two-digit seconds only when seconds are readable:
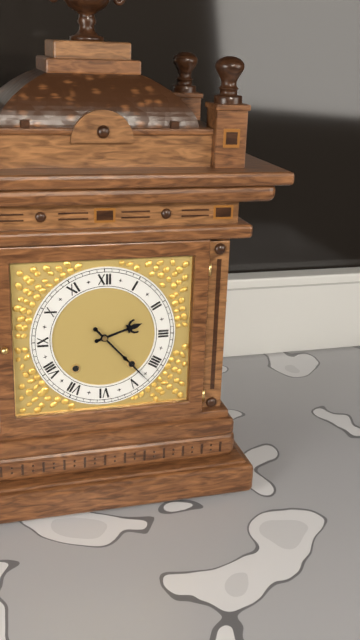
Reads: 2.23
